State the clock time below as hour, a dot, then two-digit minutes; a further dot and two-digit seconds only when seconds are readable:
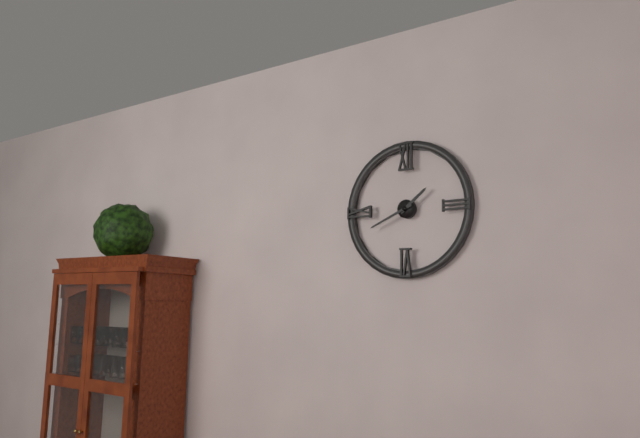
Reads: 1.41
